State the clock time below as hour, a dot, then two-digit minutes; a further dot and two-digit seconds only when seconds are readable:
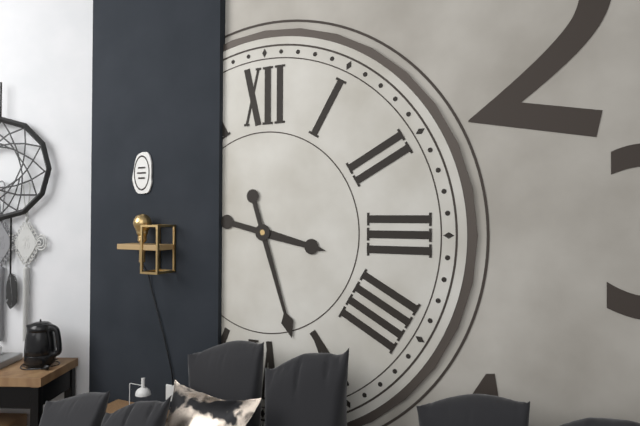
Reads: 3.27
